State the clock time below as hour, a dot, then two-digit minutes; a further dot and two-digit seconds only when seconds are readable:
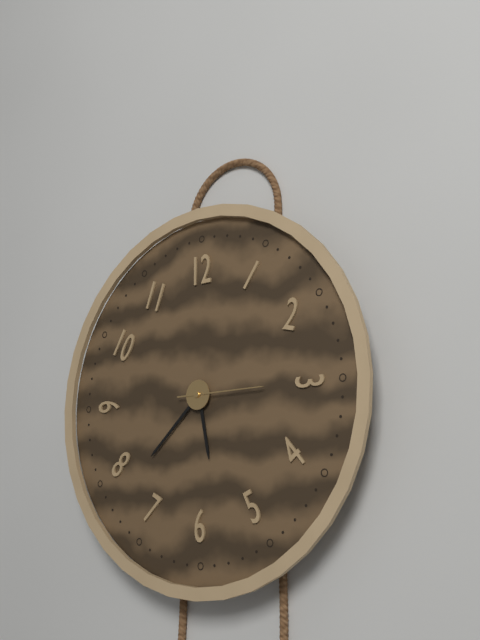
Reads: 5.38.15
